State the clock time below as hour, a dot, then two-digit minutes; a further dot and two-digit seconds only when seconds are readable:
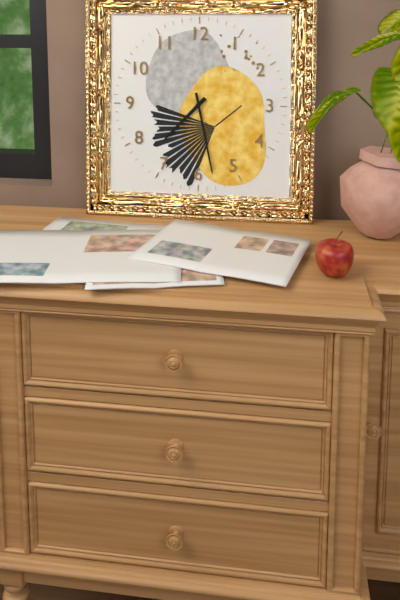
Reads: 7.28
